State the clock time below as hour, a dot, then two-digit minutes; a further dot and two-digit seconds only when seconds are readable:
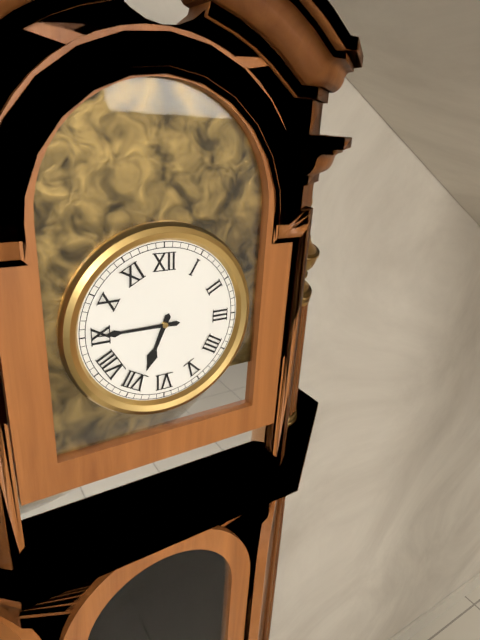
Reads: 6.45
